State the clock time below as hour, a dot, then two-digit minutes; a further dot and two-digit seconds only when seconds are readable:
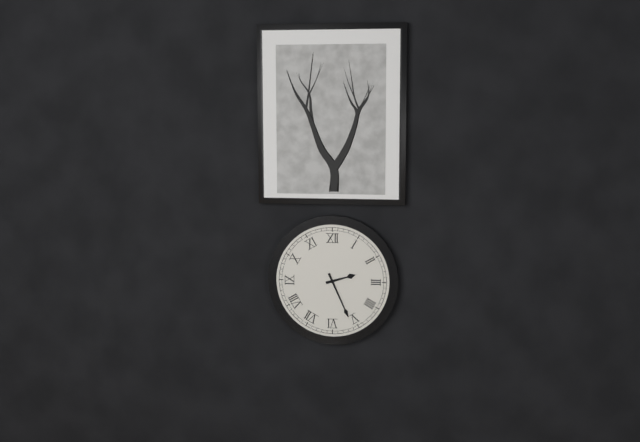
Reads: 2.26
